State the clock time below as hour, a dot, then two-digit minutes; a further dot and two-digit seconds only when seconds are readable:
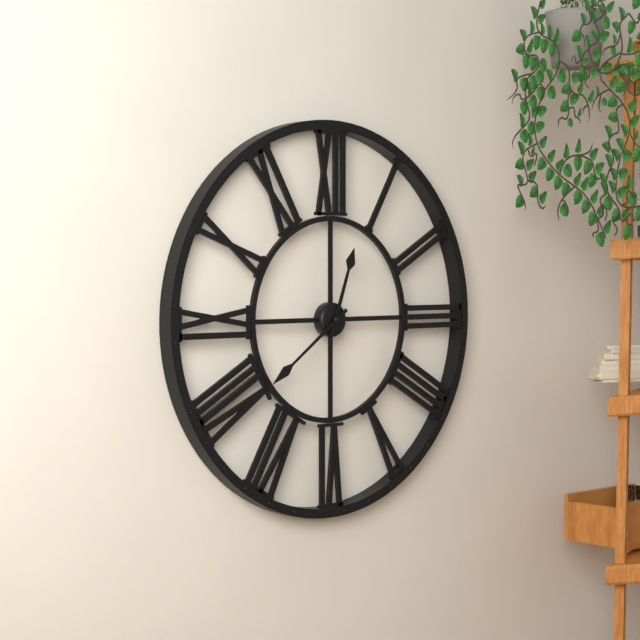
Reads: 12.39
